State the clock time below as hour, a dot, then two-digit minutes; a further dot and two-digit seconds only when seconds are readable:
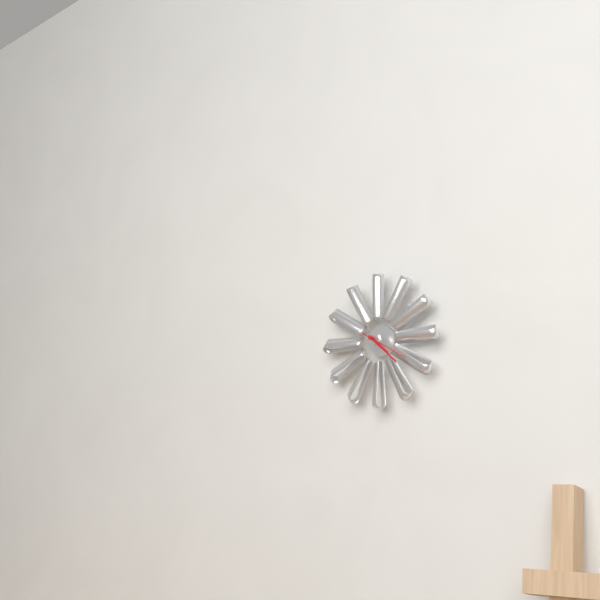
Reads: 4.22.20
